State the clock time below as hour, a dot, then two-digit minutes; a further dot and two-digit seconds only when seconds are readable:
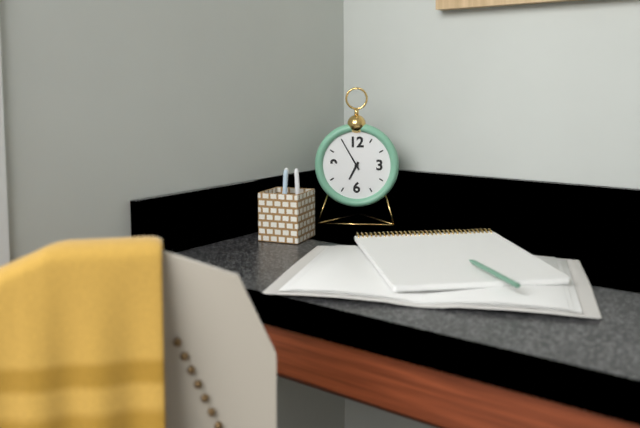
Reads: 6.55
